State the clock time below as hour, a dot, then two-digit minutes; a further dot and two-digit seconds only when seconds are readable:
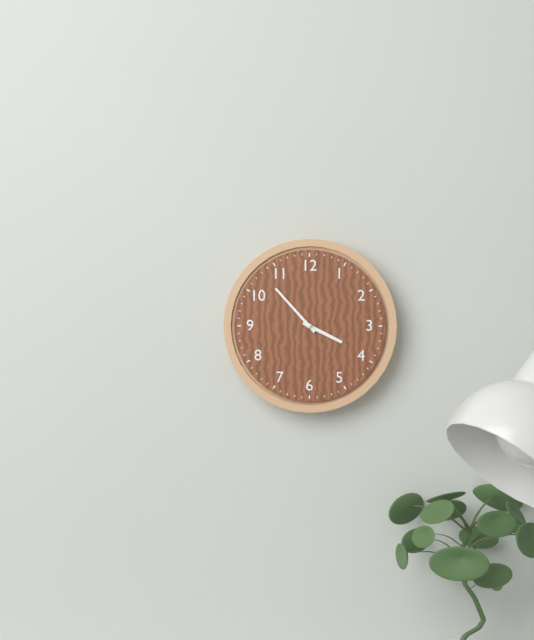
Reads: 3.53
